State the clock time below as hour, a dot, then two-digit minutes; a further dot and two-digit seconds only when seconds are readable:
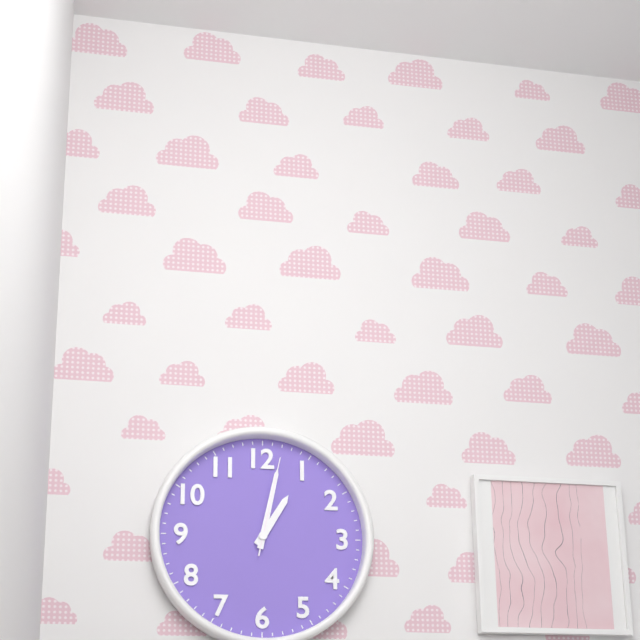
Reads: 1.02.02
